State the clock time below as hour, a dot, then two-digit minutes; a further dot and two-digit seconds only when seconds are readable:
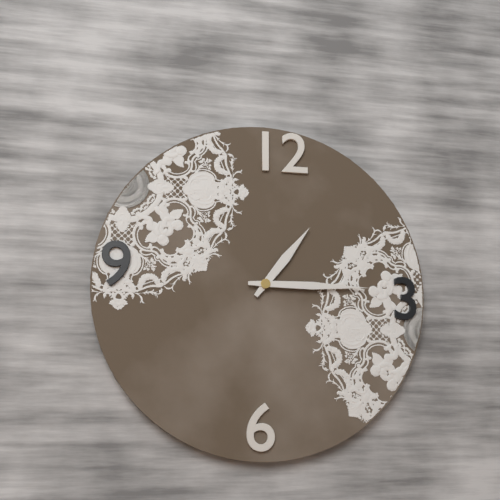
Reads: 1.15
